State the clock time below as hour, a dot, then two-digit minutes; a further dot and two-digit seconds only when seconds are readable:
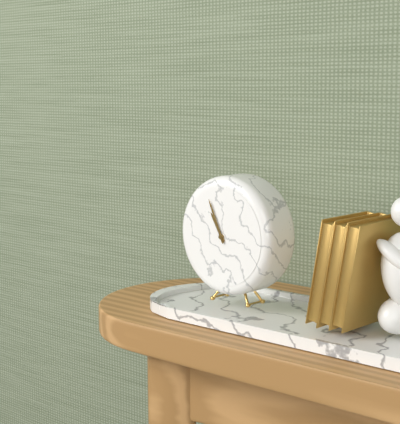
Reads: 10.56
